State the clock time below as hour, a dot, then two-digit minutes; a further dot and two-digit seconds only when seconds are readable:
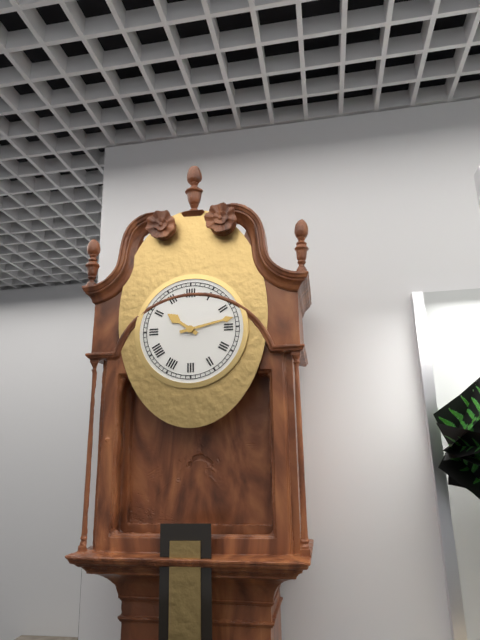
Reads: 10.13
